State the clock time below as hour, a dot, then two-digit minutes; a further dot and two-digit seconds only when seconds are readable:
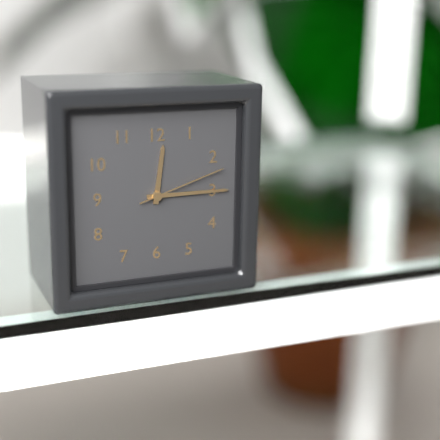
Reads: 12.15.12
